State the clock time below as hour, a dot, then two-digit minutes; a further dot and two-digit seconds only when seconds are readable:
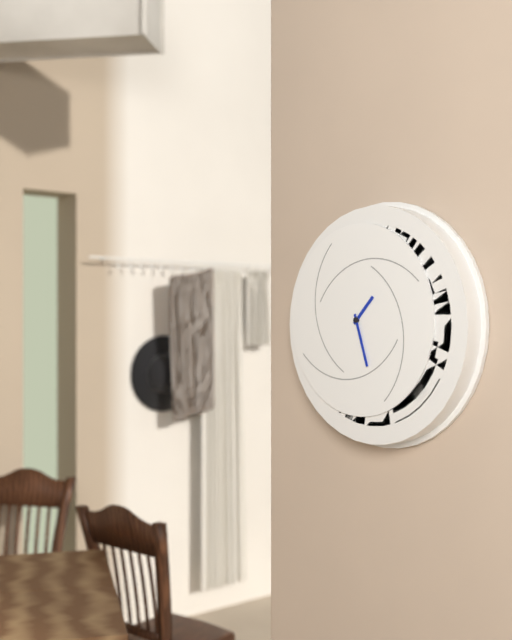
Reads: 1.27
